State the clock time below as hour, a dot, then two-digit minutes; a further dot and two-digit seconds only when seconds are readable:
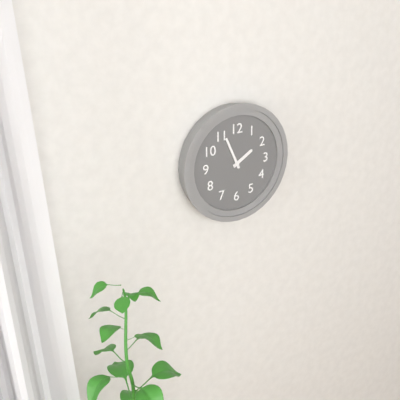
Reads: 1.56
